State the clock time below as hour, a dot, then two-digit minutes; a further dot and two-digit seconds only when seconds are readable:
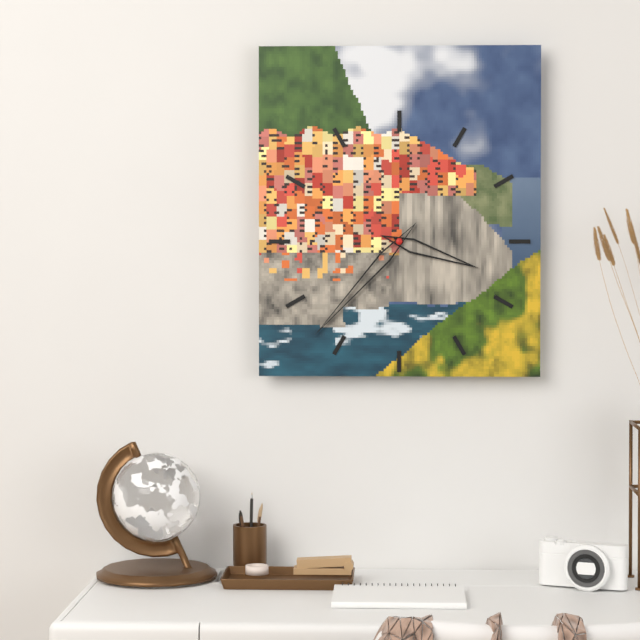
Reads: 3.37
